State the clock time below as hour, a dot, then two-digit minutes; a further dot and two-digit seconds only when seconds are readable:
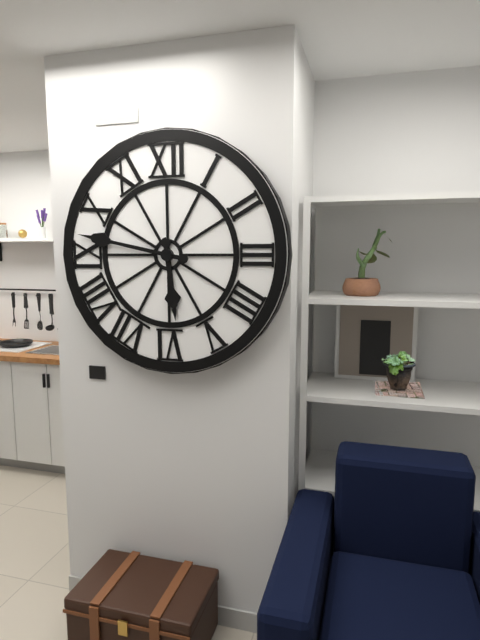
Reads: 5.47
